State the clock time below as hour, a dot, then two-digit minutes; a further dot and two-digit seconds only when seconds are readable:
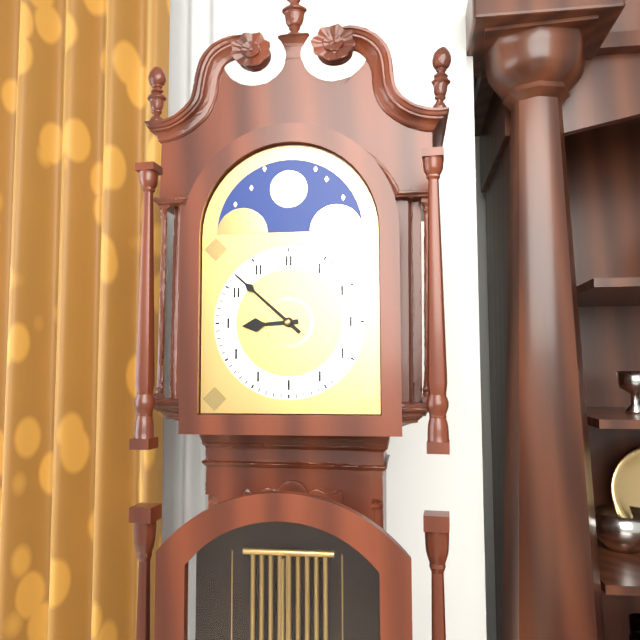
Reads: 8.52
